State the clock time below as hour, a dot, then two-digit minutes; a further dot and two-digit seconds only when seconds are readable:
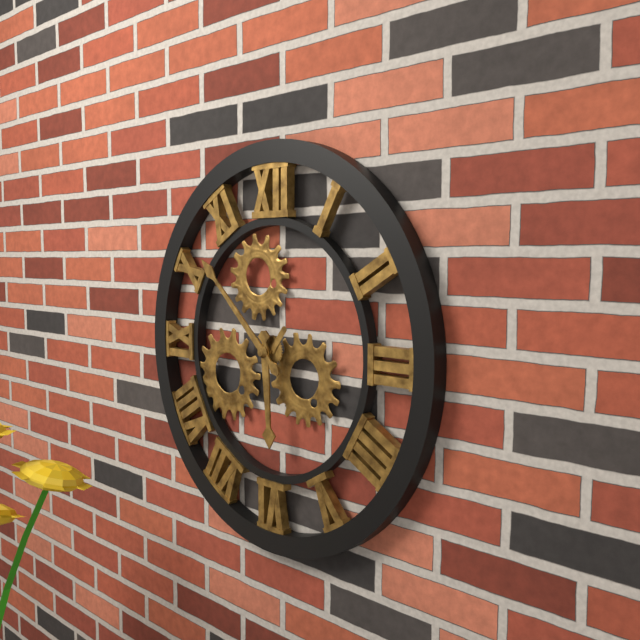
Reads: 5.52
